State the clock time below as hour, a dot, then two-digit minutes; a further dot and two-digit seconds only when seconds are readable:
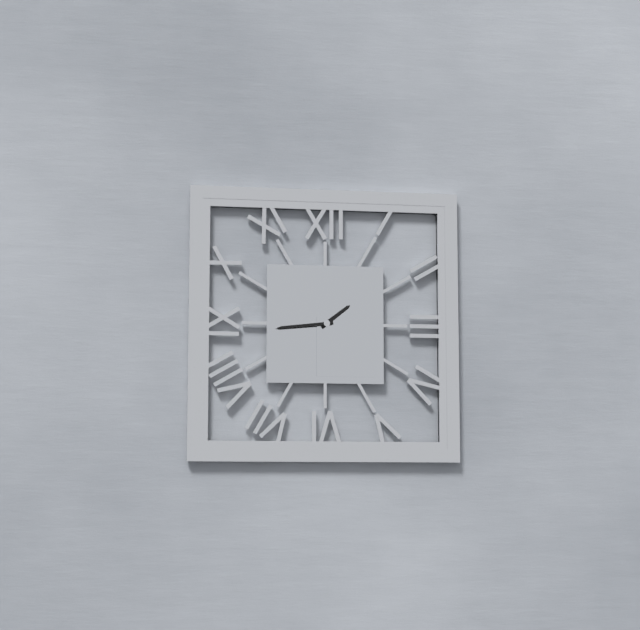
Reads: 1.44
